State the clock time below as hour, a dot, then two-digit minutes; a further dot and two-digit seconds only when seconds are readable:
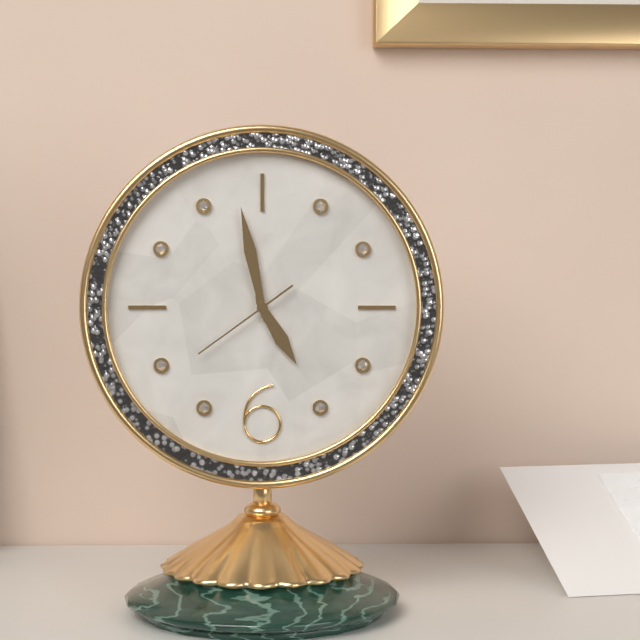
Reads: 4.58.39
